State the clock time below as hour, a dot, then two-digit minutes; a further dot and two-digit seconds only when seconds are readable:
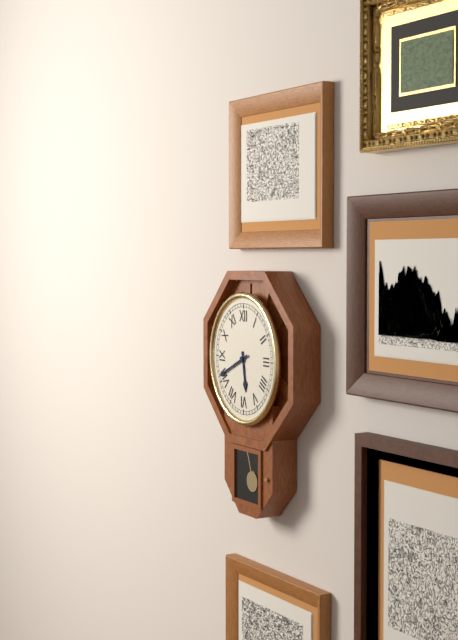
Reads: 5.41
